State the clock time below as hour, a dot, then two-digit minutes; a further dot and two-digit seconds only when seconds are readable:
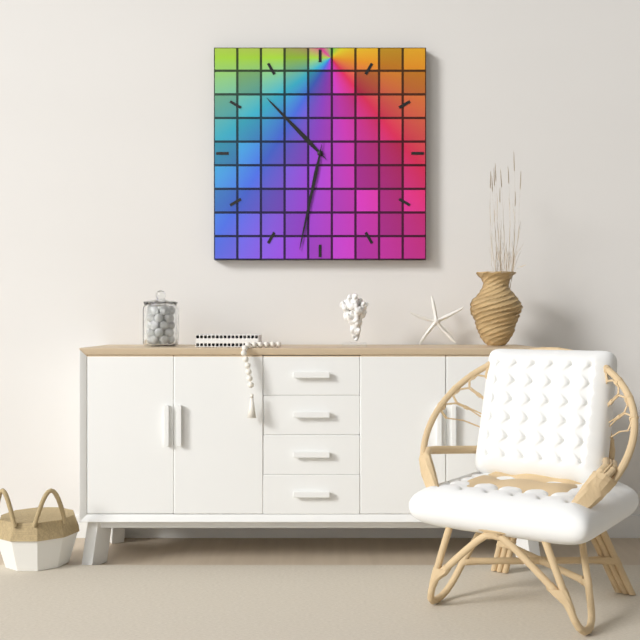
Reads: 10.32
